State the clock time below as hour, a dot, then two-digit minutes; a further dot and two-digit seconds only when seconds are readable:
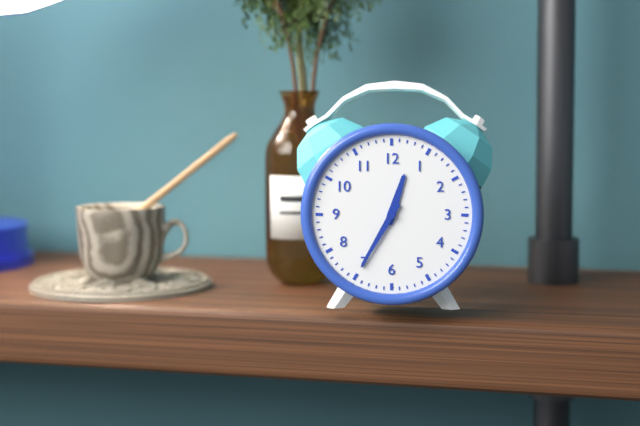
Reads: 12.35
